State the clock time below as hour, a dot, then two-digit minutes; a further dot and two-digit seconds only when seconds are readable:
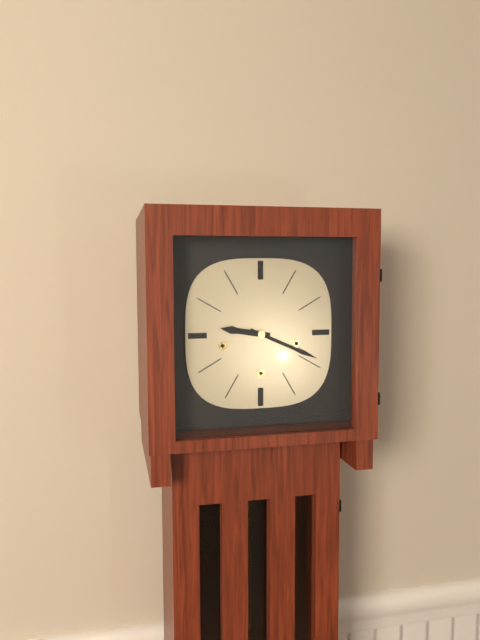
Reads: 9.19
